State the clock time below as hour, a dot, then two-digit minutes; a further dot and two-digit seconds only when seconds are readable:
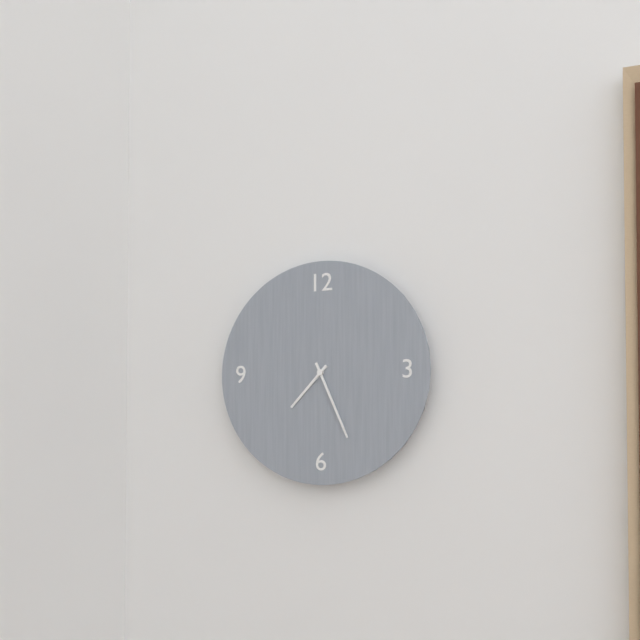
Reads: 7.26
